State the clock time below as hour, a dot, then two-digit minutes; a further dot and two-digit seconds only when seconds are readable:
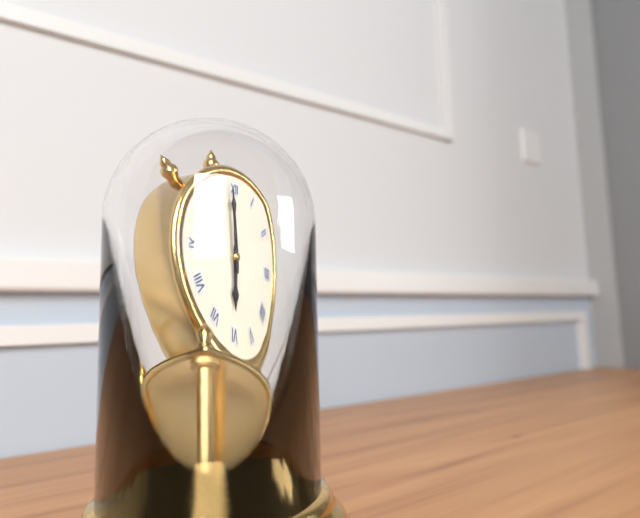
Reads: 5.59
